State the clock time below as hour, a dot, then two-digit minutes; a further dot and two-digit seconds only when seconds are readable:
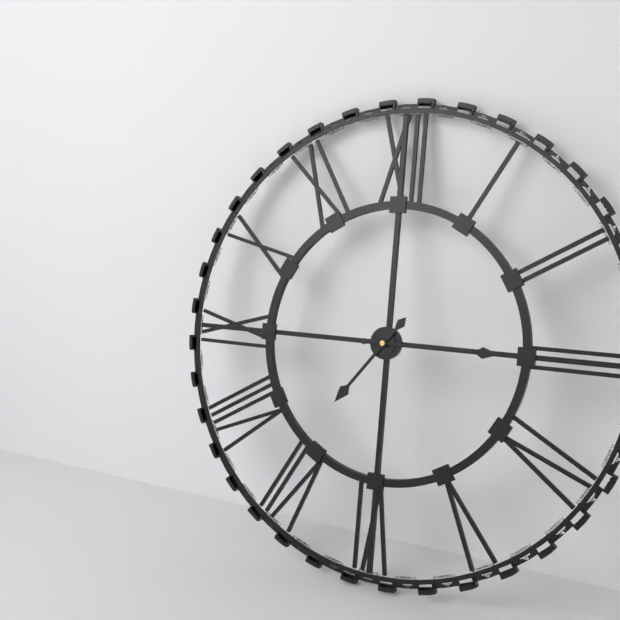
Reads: 7.15
